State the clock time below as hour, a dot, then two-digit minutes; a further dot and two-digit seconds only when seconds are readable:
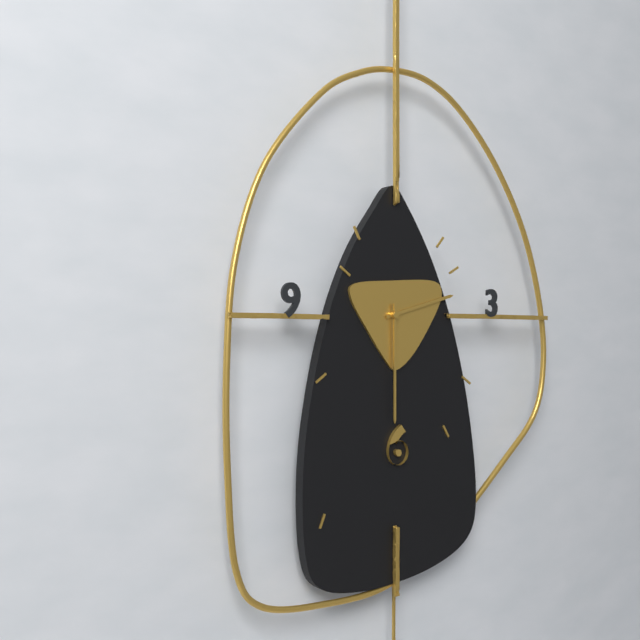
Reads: 2.30
